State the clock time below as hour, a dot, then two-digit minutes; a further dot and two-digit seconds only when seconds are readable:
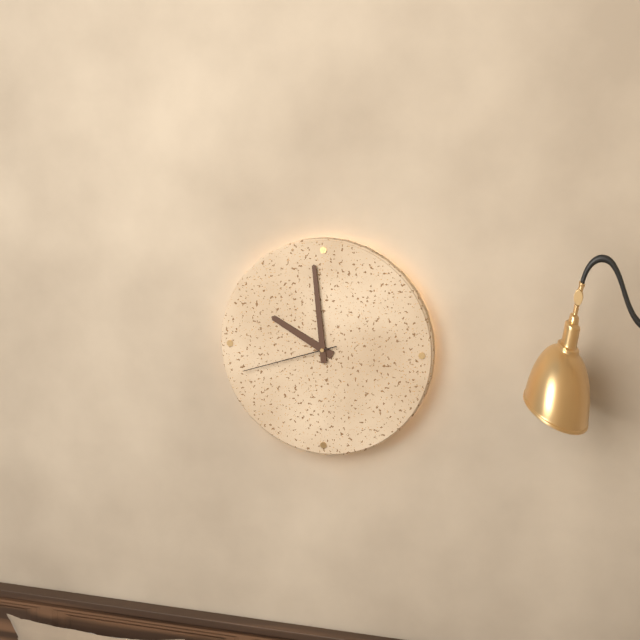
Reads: 9.59.42
